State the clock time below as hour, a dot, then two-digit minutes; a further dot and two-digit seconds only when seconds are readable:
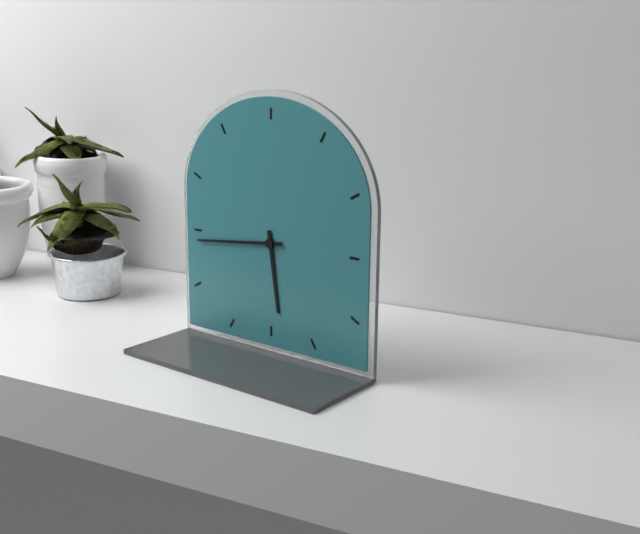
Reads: 5.44
